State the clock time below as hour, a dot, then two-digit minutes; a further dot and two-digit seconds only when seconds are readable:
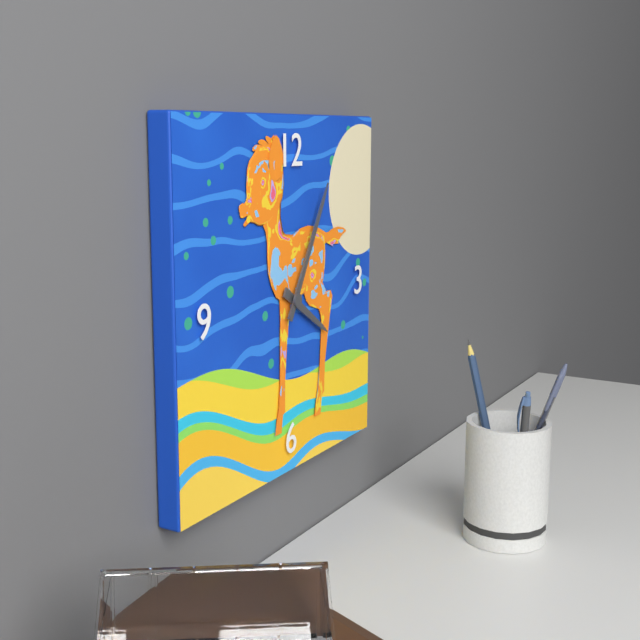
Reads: 4.05
